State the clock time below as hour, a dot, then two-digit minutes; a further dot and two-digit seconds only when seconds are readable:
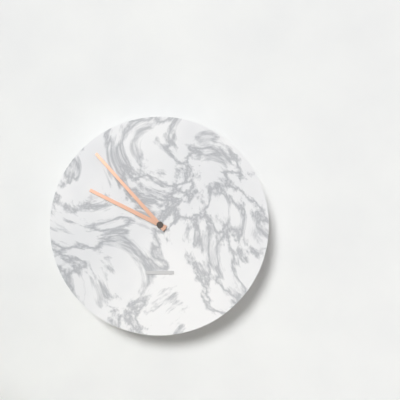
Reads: 9.53
